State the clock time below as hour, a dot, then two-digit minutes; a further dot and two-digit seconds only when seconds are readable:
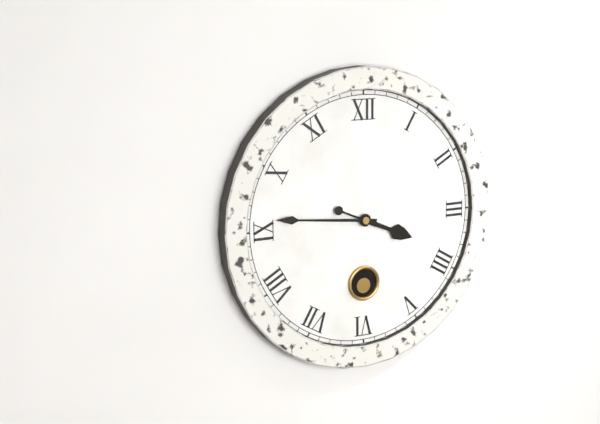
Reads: 3.46
